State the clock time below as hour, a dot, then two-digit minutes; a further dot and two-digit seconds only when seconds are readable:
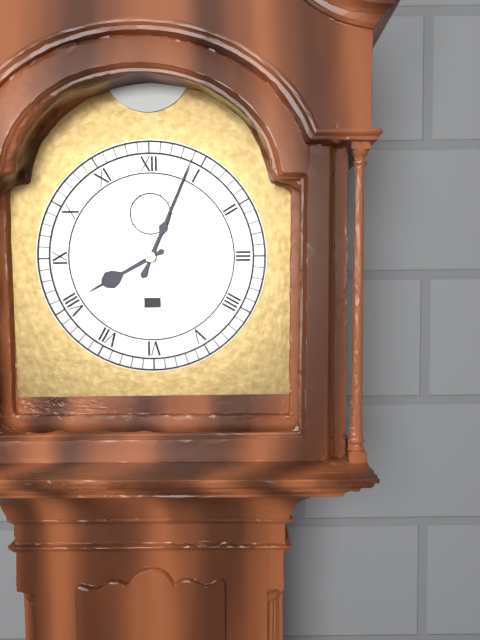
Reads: 8.04
